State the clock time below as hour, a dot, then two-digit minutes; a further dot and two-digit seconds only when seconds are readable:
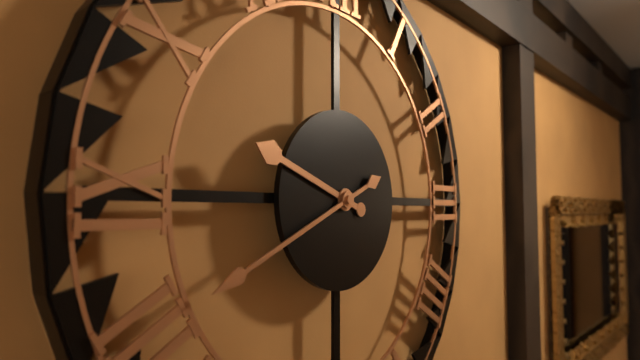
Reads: 9.41
